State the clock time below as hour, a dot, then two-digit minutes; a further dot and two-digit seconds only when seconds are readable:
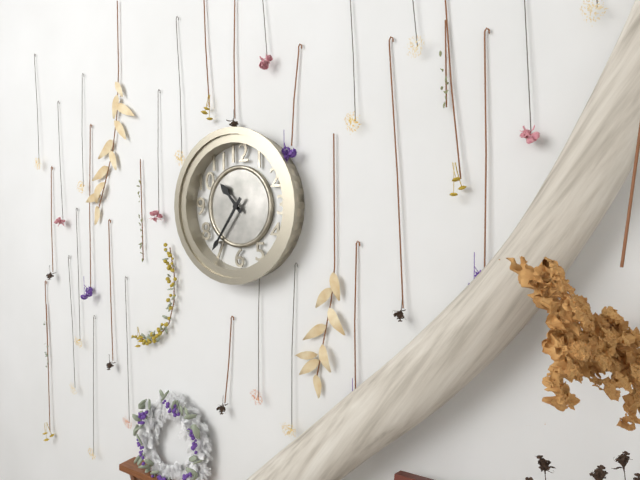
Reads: 10.36
